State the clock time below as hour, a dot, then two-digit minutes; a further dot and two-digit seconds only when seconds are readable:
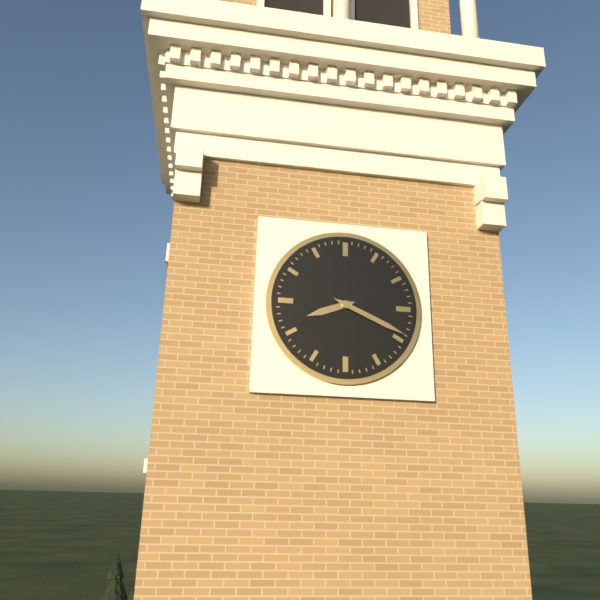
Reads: 8.19
